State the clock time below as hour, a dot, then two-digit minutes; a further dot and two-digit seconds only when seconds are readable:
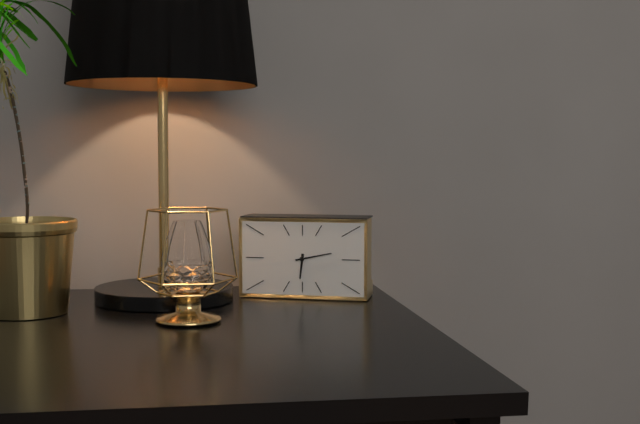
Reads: 6.13
